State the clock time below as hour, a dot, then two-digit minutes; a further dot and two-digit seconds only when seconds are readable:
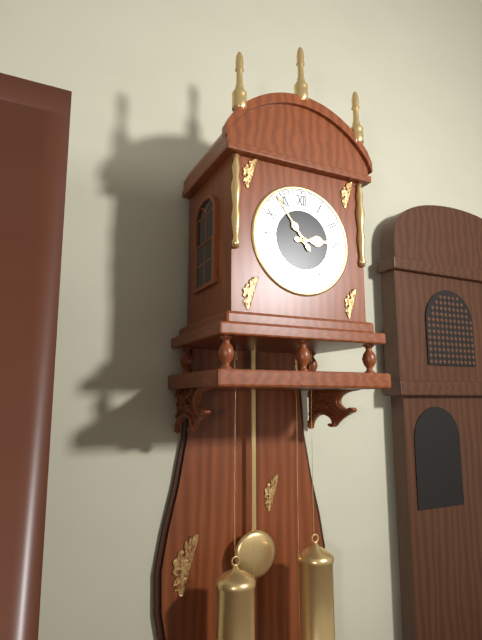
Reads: 2.54
